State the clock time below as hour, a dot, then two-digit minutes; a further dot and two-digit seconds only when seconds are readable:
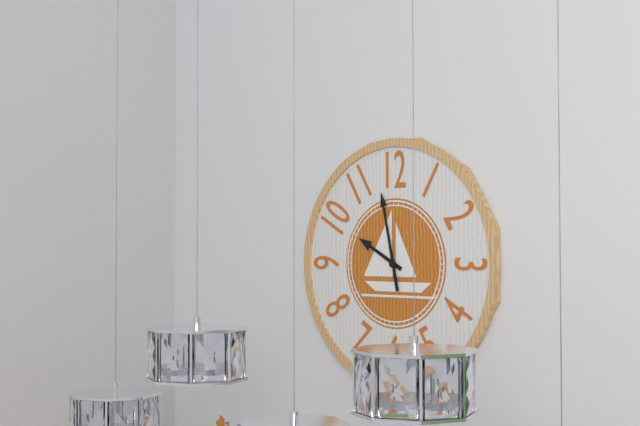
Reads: 9.58
